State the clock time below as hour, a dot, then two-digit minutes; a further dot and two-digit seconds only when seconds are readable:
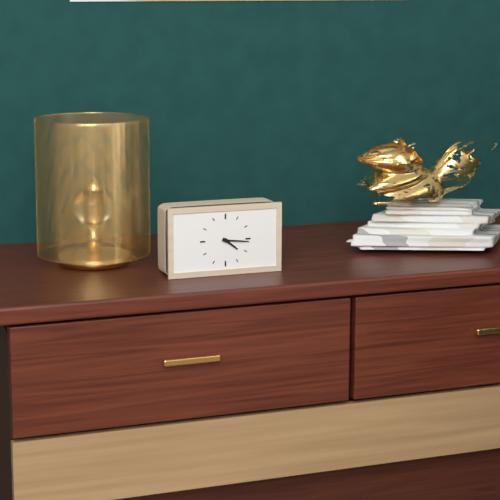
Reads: 4.16
